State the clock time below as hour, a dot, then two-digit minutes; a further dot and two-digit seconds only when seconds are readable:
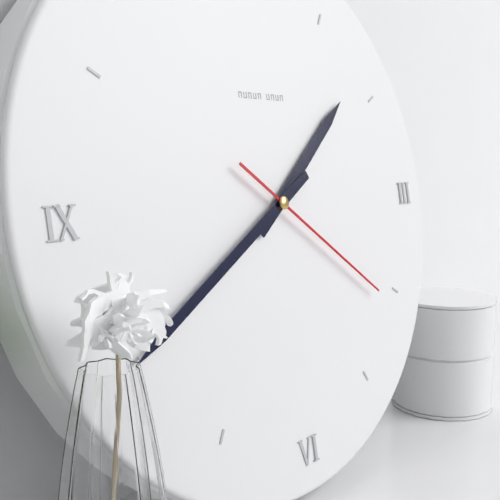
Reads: 1.40.21
